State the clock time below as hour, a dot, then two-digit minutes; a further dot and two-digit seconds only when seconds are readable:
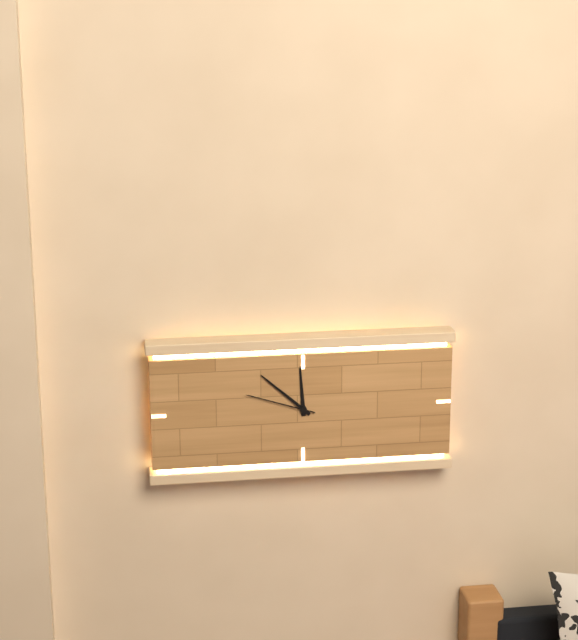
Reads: 11.52.48
